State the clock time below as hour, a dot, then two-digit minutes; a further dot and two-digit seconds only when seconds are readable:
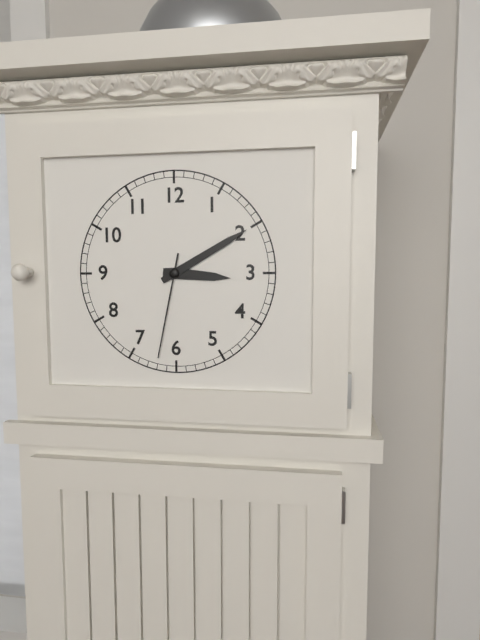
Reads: 3.10.32
